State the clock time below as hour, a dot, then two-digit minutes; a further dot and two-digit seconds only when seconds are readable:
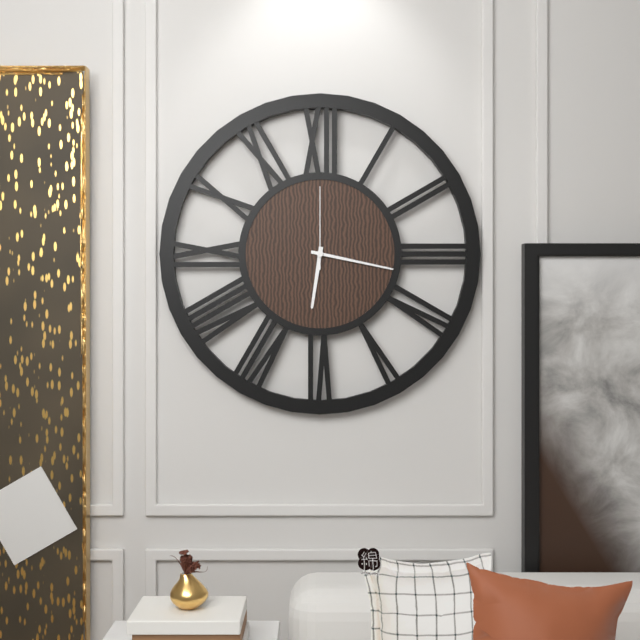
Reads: 6.17.00
